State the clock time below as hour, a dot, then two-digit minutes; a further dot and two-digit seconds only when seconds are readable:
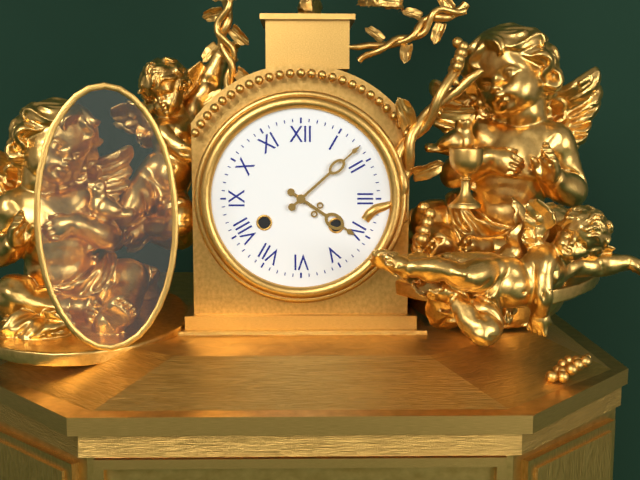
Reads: 4.08
